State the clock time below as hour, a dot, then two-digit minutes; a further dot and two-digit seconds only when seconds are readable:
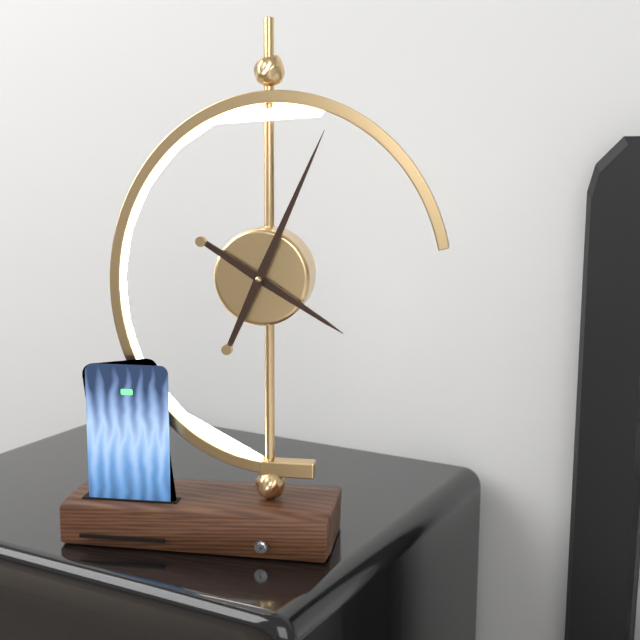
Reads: 4.04
